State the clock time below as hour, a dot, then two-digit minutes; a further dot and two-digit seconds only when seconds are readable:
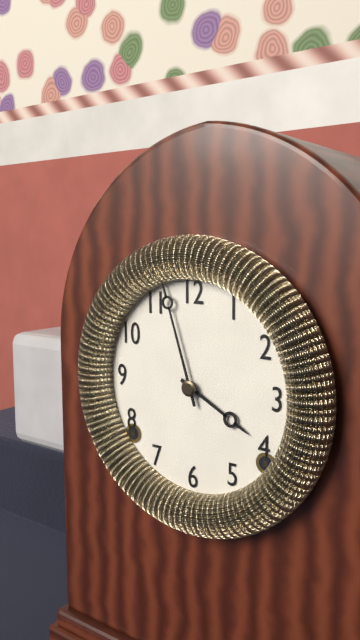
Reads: 3.57
